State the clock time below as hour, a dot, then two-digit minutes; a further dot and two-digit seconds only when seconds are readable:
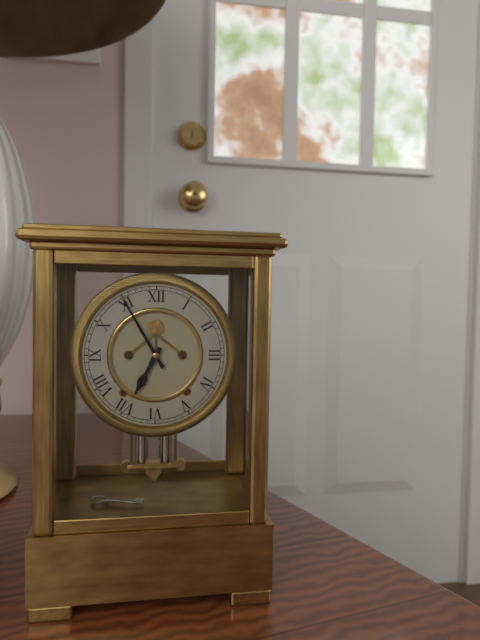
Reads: 6.55
